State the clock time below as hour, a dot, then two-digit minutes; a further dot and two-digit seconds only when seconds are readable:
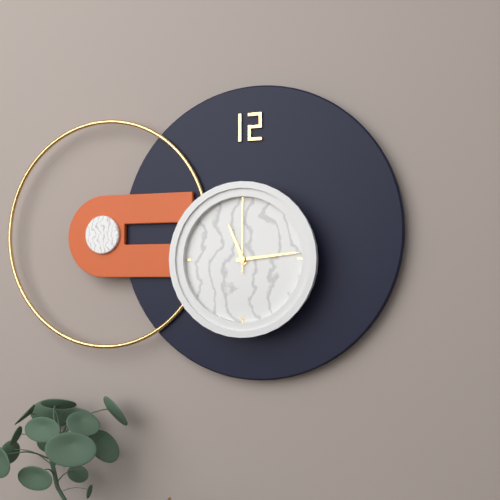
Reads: 11.14.00
